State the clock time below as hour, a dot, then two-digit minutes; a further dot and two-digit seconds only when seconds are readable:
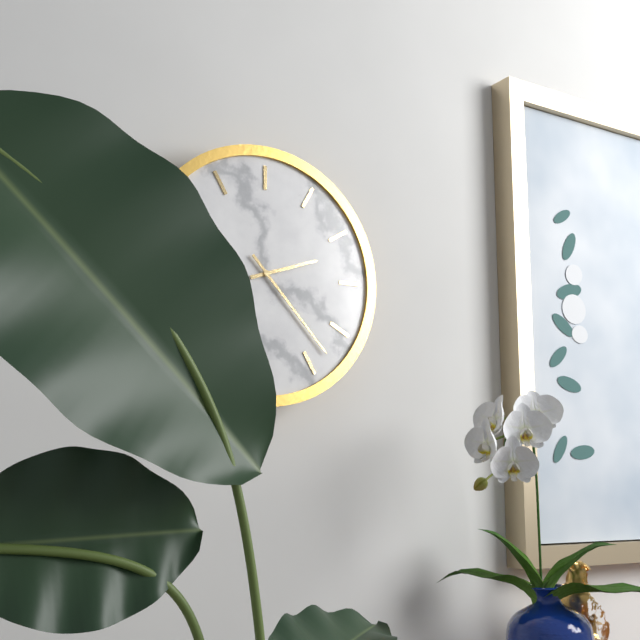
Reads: 2.23
